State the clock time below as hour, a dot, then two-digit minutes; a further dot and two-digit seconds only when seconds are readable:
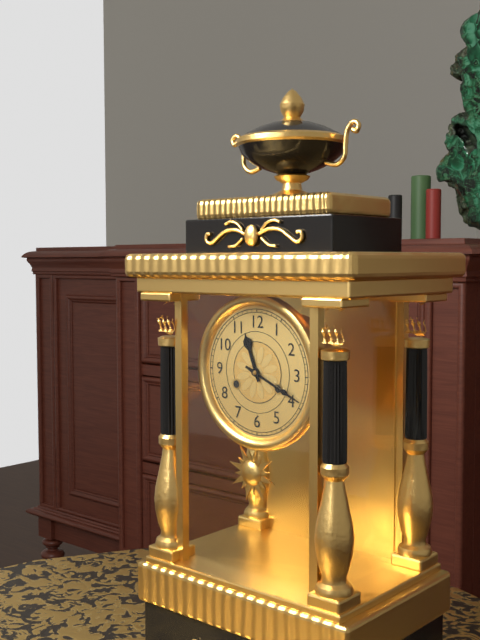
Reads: 11.19
